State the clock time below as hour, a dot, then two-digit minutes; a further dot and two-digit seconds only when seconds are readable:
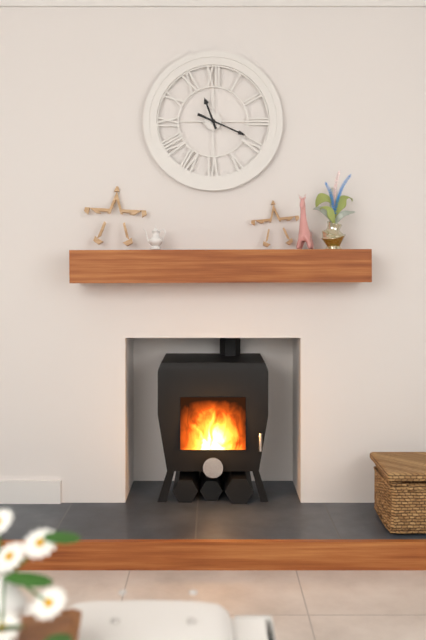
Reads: 11.19
